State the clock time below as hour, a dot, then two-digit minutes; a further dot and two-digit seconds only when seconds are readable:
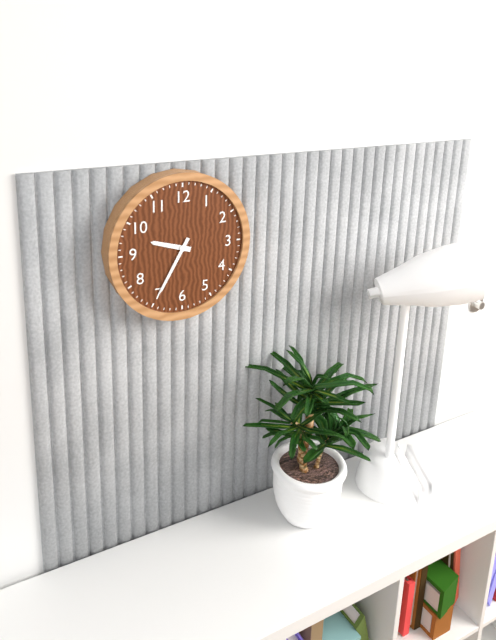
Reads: 9.35
